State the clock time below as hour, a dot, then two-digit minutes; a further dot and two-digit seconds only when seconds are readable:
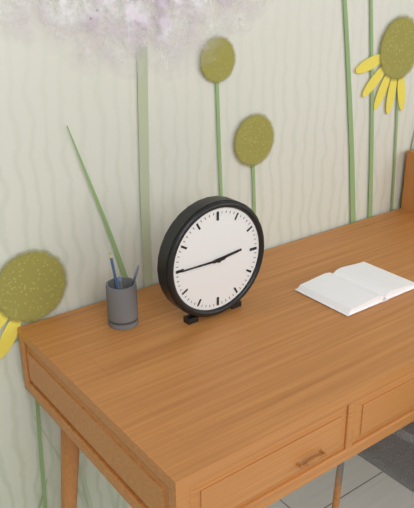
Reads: 2.45
